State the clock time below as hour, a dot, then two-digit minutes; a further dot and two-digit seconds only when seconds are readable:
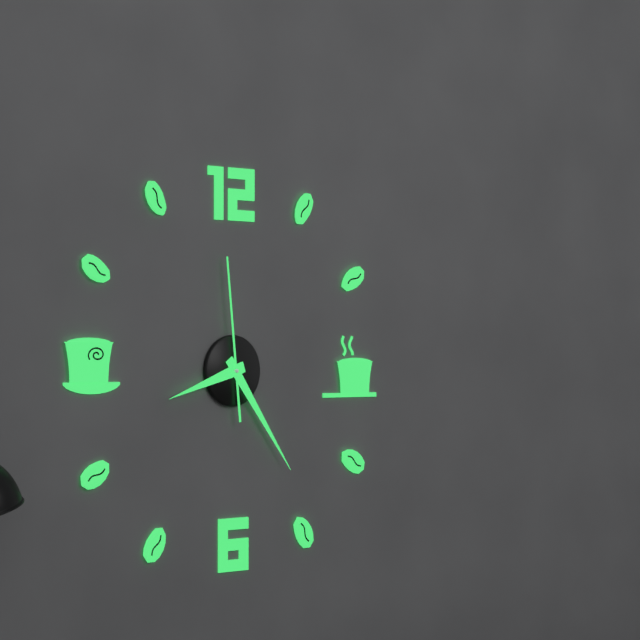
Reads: 8.24.59
